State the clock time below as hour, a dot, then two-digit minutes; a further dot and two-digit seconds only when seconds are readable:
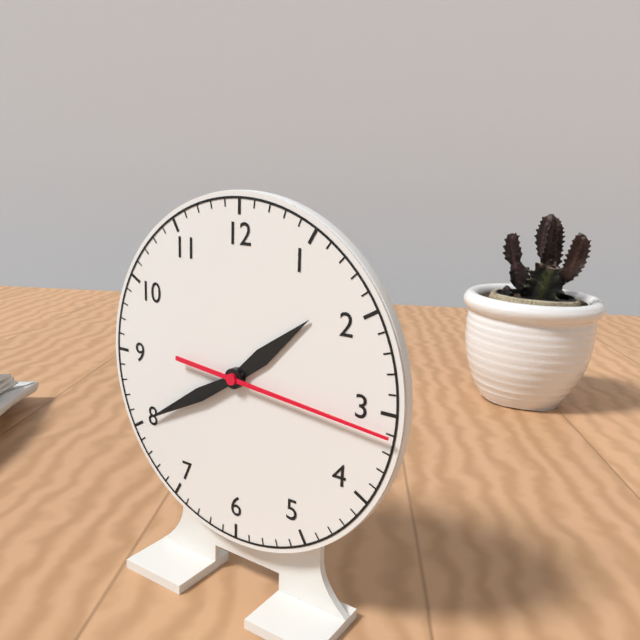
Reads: 1.40.16
